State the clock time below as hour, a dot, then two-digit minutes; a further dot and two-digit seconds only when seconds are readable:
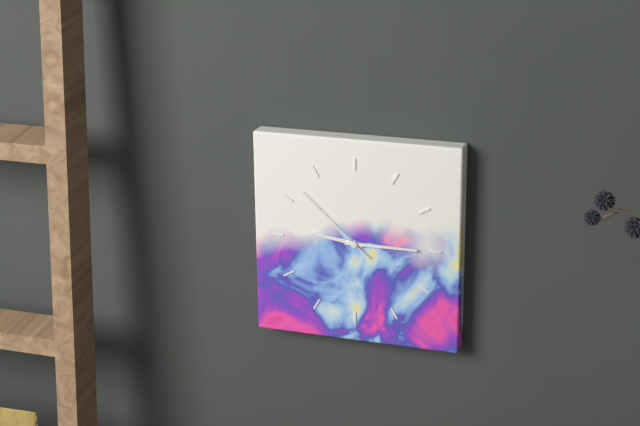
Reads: 9.15.52
